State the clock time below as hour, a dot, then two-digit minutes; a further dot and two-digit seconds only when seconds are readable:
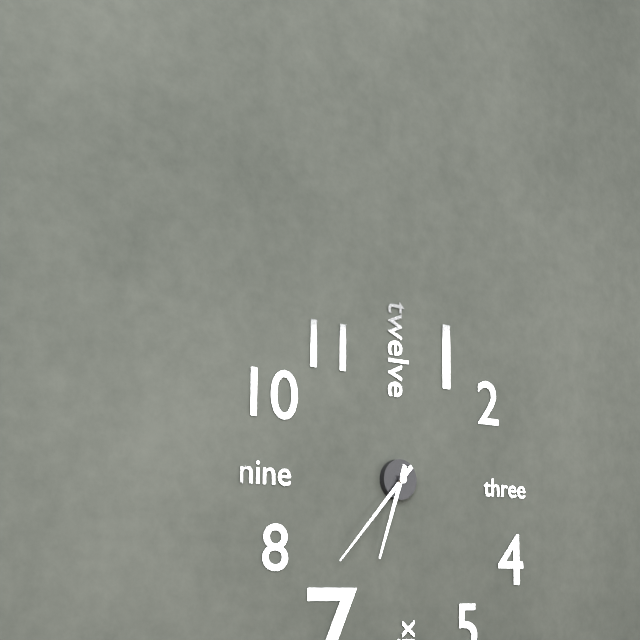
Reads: 6.37
